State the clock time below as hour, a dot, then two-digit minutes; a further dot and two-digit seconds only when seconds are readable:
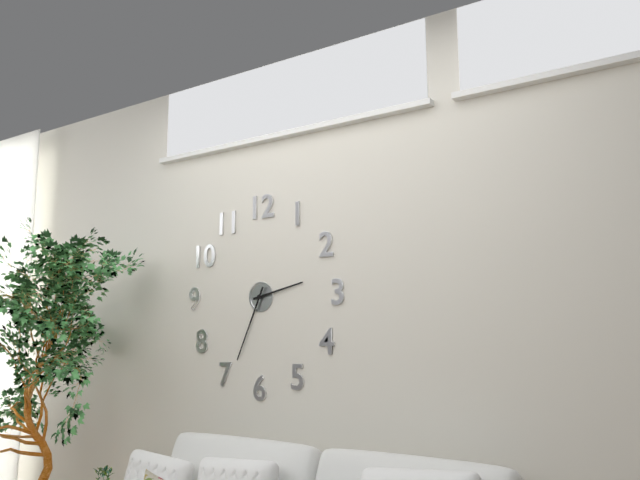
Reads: 2.34
